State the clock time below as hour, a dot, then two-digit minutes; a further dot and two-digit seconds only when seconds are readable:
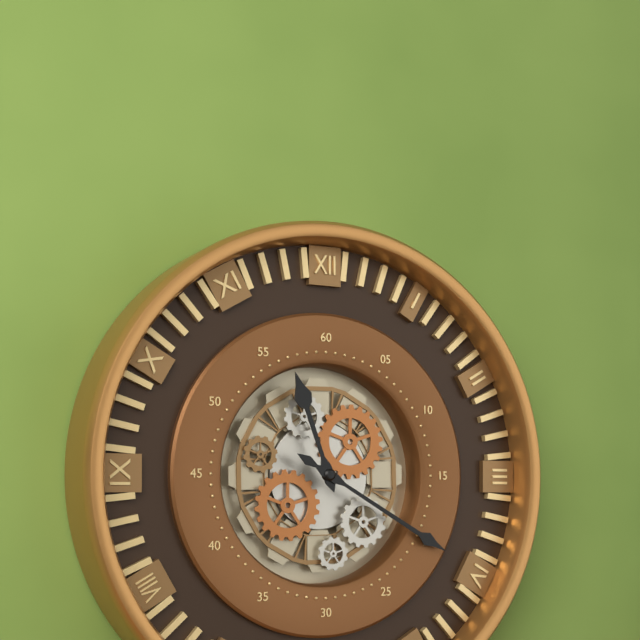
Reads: 11.20
